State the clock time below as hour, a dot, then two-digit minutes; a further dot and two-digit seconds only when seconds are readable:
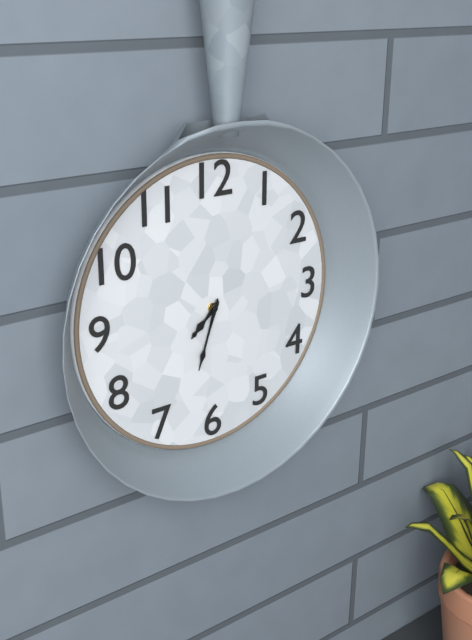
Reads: 7.33
